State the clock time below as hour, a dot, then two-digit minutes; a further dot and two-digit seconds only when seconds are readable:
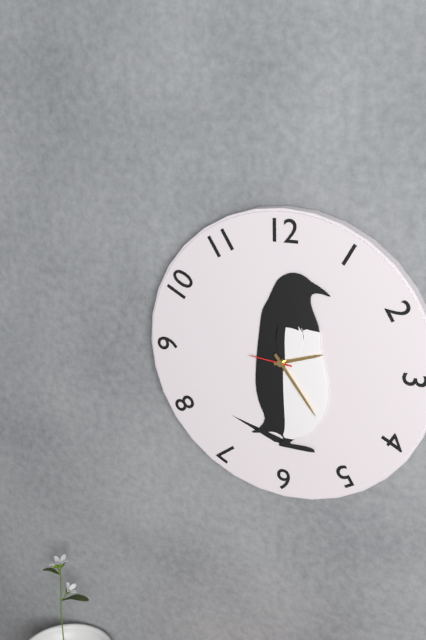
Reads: 2.24
